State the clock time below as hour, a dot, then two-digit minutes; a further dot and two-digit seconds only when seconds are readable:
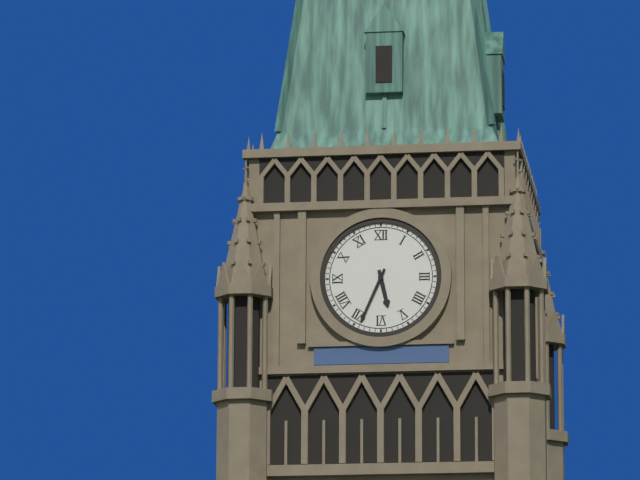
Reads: 5.34
